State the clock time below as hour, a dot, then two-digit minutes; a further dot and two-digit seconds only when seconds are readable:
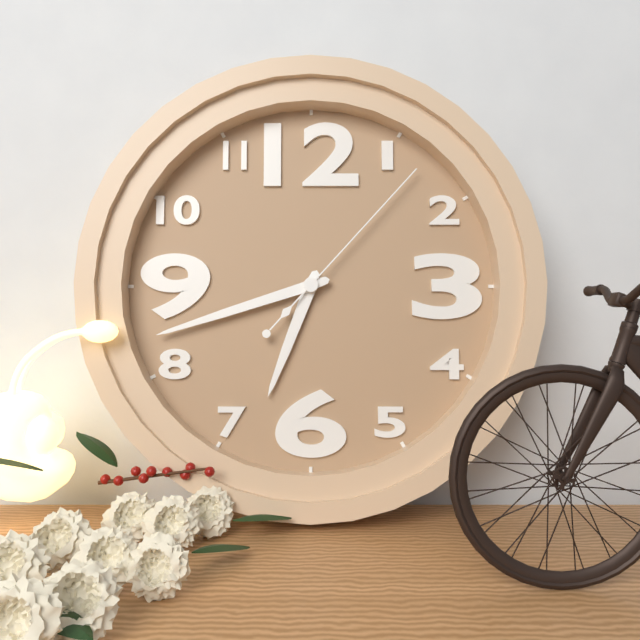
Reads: 6.42.07
